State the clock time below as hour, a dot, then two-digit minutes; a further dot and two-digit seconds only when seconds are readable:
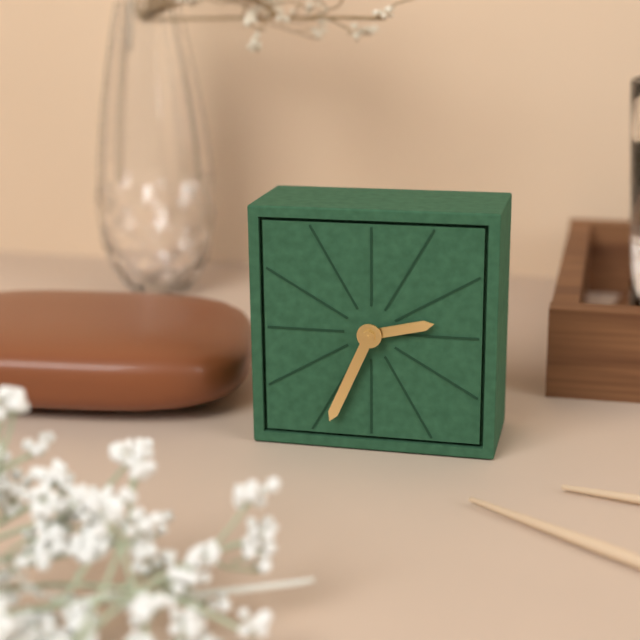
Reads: 2.34
